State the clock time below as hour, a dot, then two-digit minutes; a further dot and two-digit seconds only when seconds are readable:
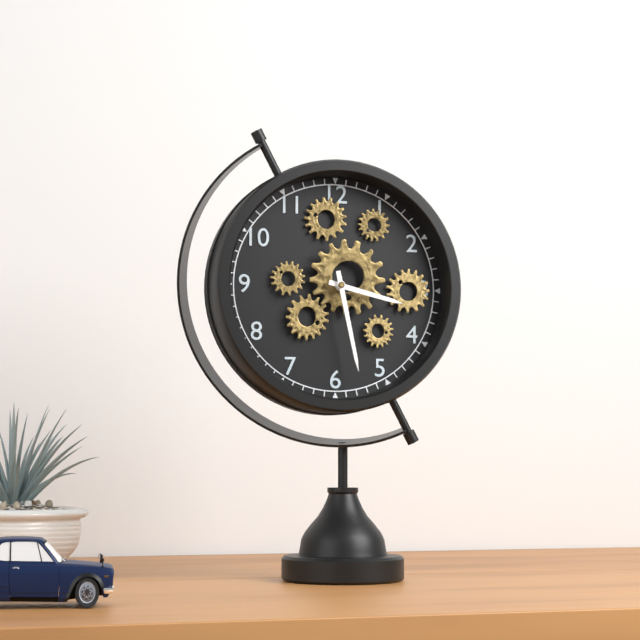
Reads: 3.28
